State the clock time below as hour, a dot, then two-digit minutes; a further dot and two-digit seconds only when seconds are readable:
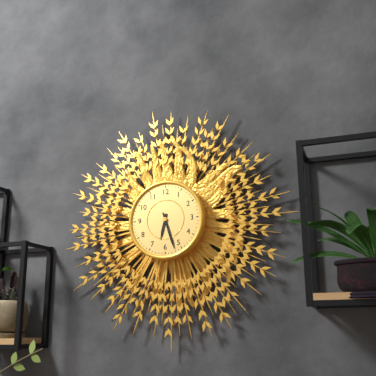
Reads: 6.27
